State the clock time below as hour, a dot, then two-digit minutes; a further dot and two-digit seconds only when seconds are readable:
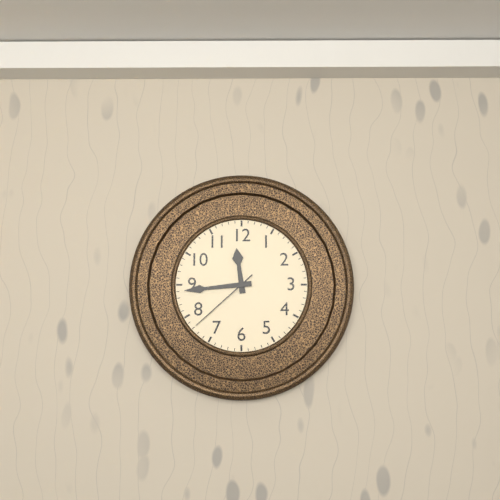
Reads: 11.44.38
